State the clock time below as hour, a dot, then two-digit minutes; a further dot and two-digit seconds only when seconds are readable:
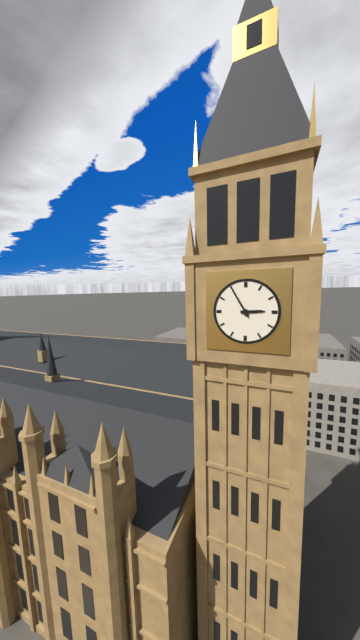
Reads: 2.55
